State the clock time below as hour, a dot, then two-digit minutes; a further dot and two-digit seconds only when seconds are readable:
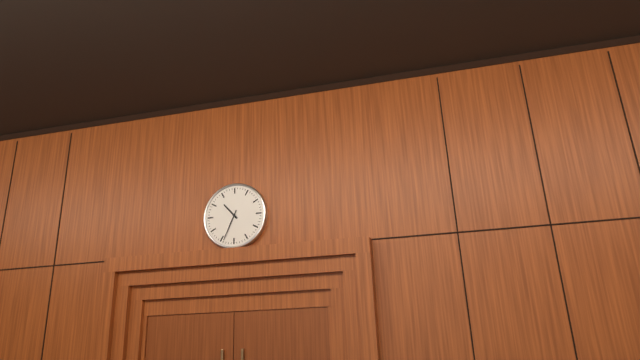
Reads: 10.34
